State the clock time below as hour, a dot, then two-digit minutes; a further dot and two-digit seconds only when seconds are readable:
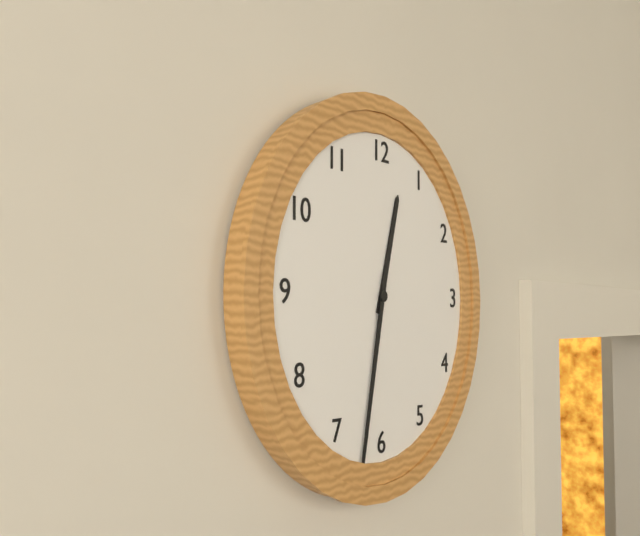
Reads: 12.32
